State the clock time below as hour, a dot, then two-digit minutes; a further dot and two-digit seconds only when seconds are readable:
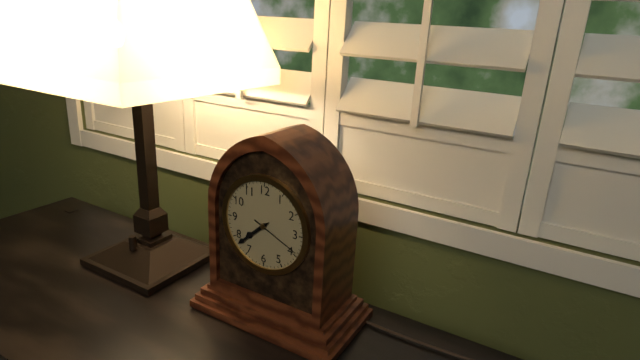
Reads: 7.38.19
